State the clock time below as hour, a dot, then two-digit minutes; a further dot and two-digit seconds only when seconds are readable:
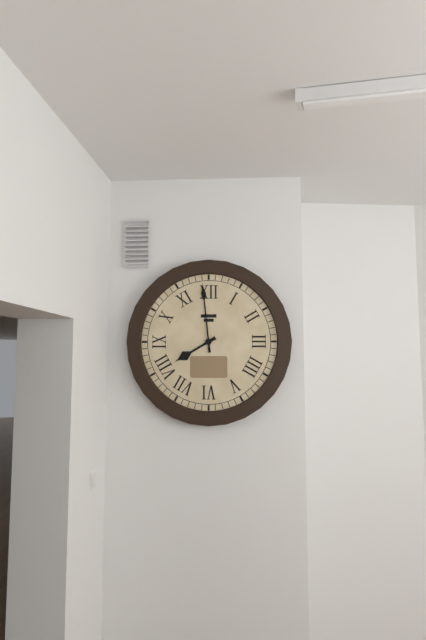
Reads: 7.59
